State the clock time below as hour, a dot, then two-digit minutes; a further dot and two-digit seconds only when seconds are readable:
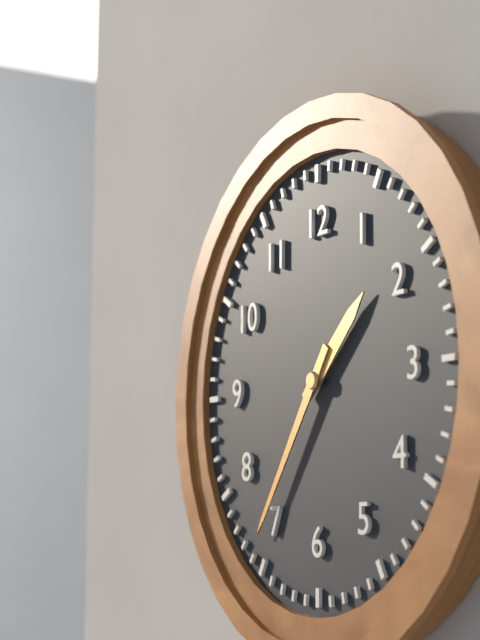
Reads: 1.36
